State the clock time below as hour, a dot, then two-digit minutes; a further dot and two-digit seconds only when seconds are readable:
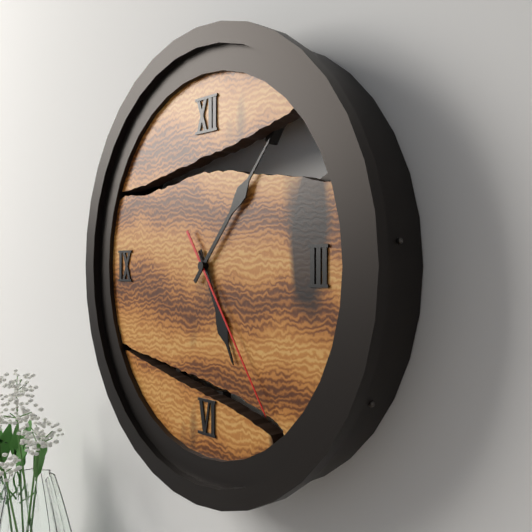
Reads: 5.07.24
